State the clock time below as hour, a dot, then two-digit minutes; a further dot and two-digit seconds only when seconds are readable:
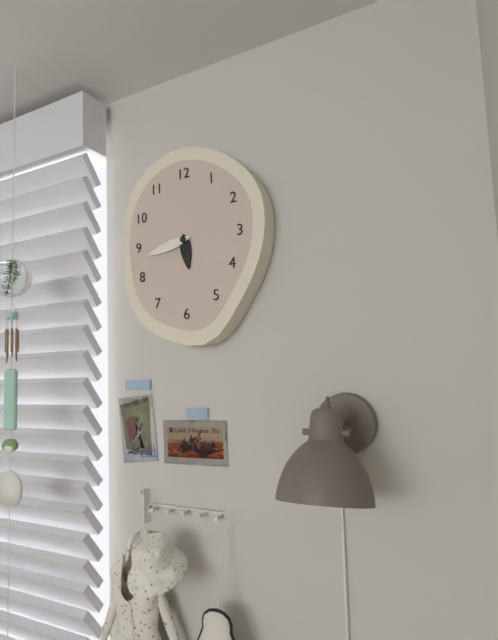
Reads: 5.43
